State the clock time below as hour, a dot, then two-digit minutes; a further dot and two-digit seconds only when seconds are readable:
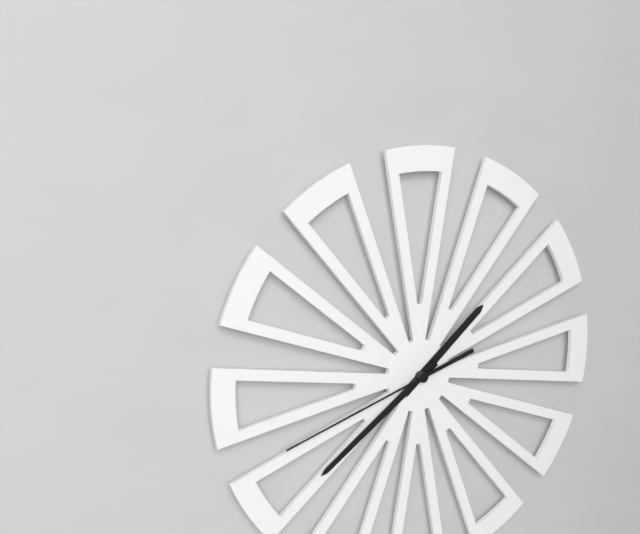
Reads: 1.39.42
